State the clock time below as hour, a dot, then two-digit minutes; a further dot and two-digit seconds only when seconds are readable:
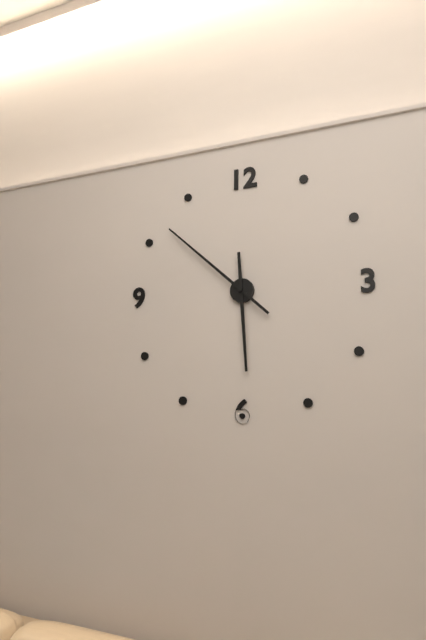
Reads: 5.52
